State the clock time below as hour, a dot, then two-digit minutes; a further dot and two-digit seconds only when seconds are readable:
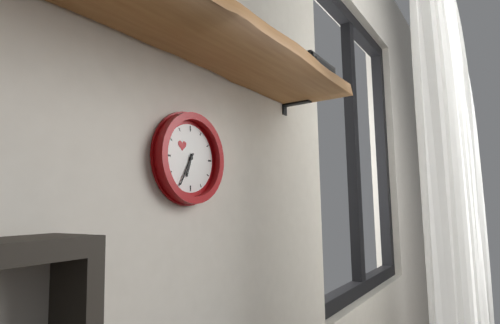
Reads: 6.35
